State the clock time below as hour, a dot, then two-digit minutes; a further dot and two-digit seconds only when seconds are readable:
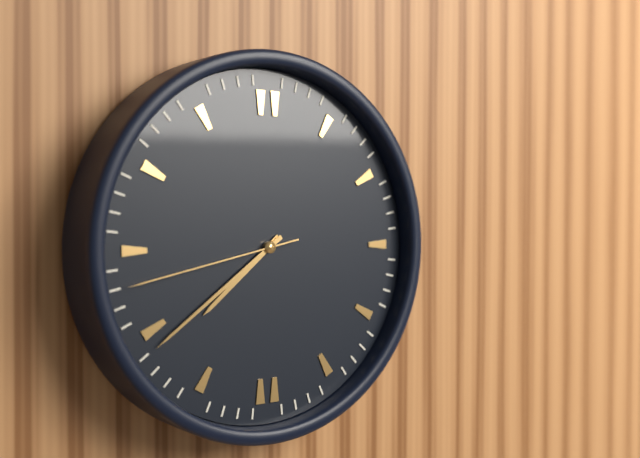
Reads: 7.39.43
